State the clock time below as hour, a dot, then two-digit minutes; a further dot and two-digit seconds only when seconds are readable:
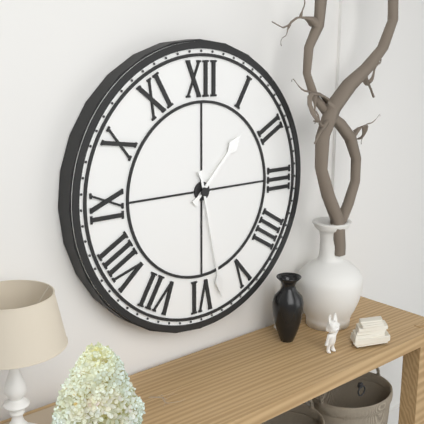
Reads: 1.28
